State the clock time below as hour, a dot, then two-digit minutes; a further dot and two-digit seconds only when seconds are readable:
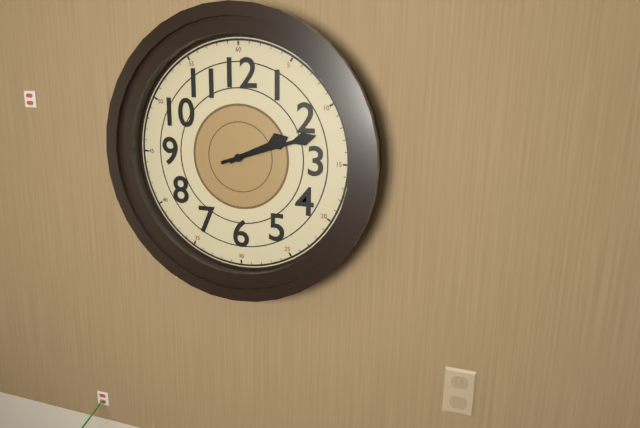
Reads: 2.12
